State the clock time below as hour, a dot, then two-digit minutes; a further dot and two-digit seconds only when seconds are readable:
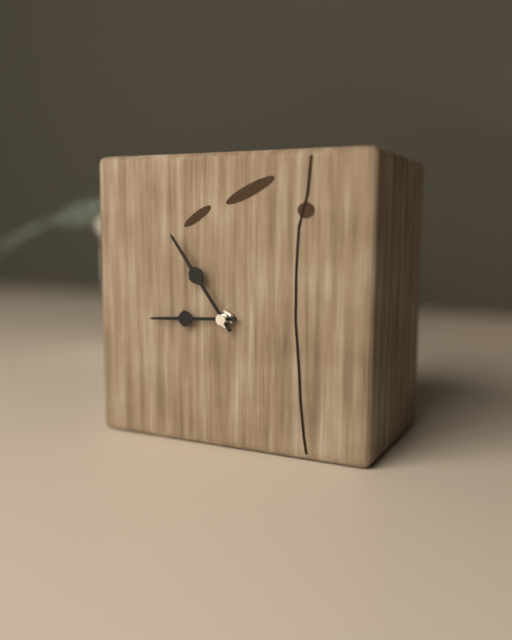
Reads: 8.54
